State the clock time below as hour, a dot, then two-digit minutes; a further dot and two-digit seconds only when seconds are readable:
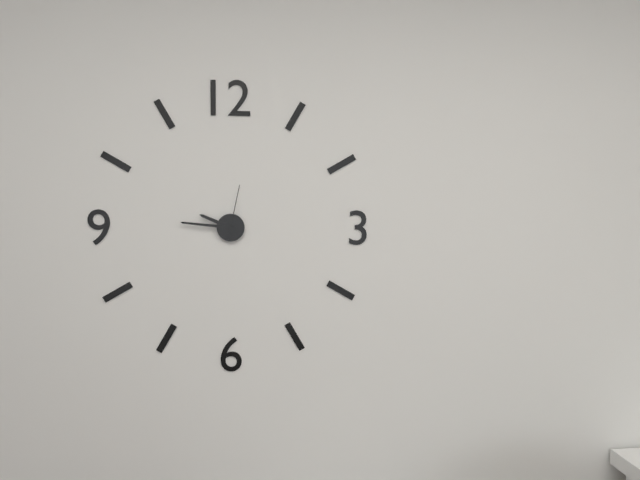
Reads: 9.46.02
